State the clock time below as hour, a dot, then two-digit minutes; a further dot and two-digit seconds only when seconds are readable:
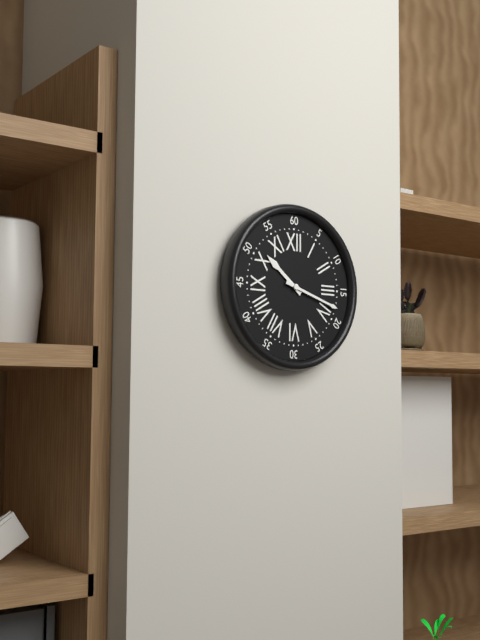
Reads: 10.18
